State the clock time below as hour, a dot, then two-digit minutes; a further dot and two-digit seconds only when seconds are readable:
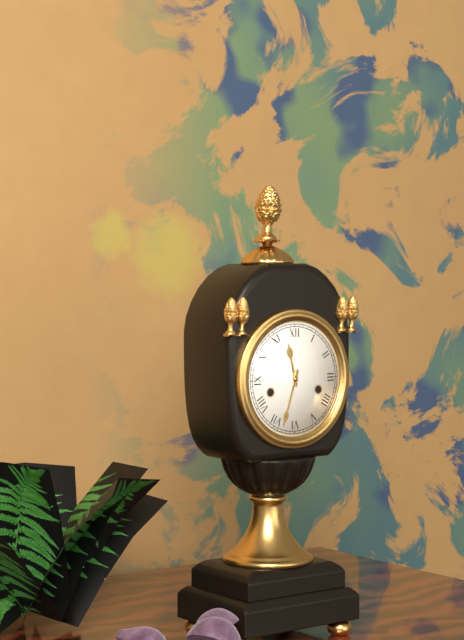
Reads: 11.33
